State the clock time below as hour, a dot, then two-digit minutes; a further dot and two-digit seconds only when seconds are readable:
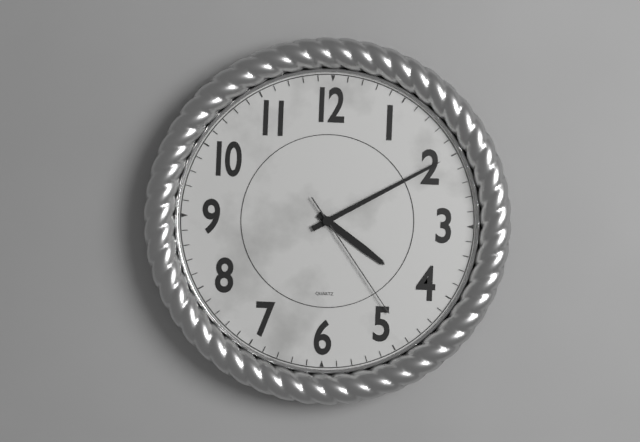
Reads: 4.10.24
